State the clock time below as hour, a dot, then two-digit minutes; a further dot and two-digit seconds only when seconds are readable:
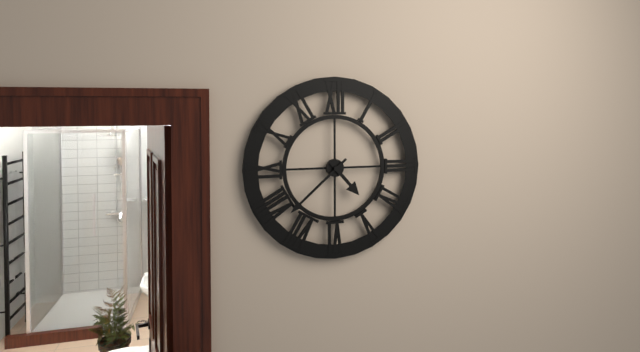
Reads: 4.38
